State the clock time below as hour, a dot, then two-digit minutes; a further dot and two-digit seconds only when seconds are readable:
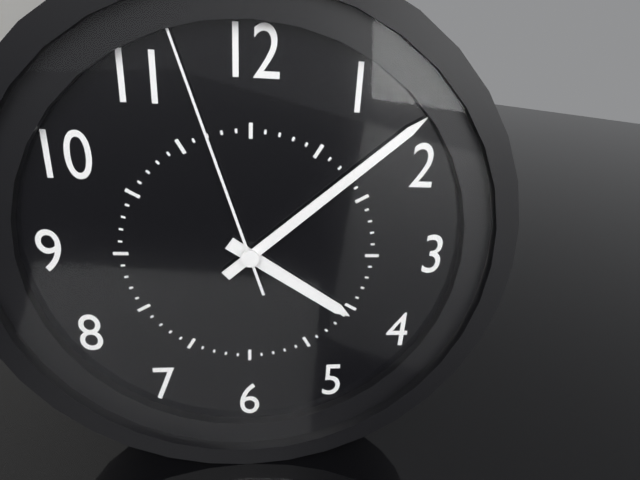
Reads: 4.08.57
